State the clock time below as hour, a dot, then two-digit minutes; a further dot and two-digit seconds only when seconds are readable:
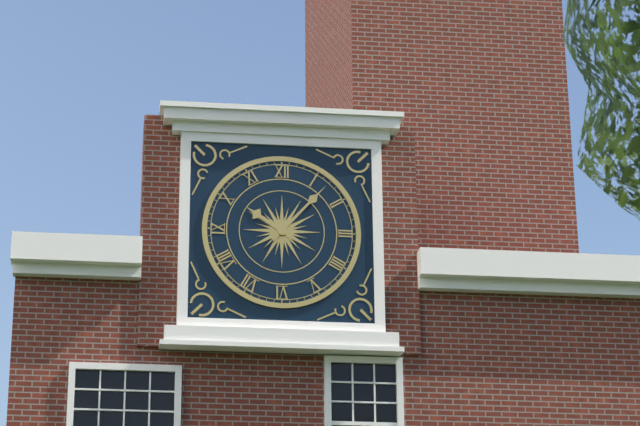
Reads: 10.07
